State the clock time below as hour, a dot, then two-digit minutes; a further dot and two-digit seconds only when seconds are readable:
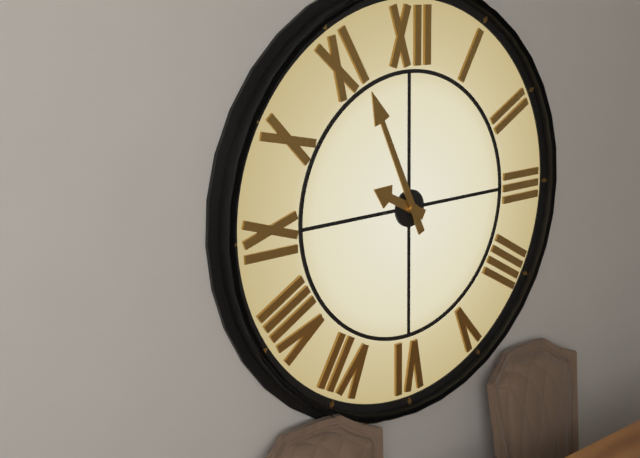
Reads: 9.56
